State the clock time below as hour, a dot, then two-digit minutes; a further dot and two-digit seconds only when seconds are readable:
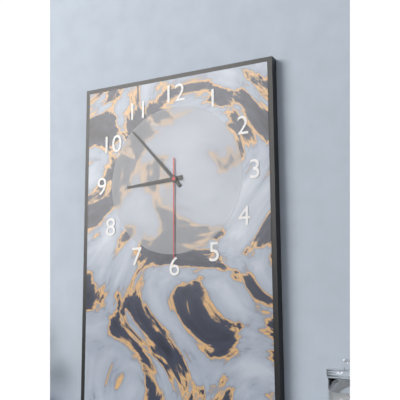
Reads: 8.53.30
